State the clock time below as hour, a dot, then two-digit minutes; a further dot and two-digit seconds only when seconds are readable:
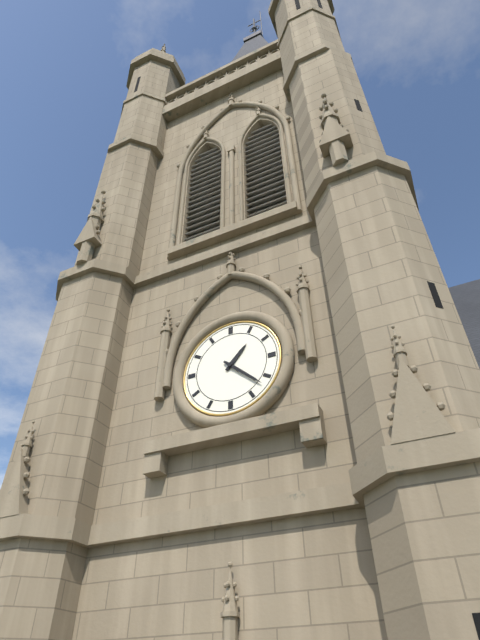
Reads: 1.22
